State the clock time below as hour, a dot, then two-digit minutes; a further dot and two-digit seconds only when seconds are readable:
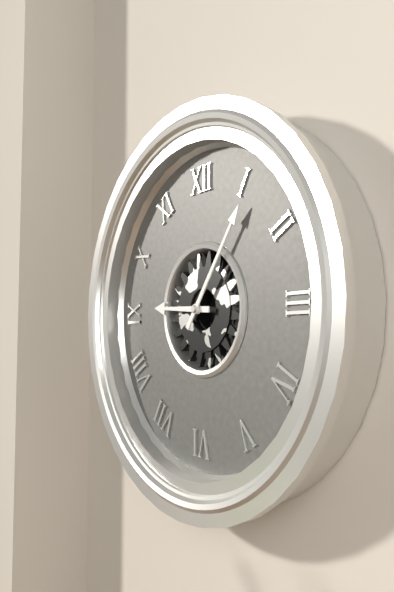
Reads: 9.06
